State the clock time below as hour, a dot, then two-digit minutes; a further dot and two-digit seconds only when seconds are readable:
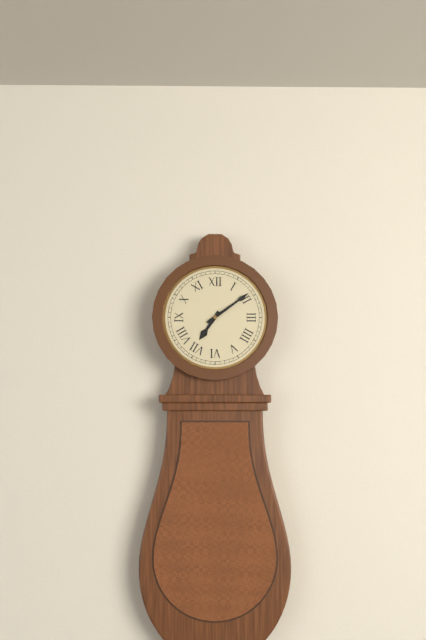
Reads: 7.09
